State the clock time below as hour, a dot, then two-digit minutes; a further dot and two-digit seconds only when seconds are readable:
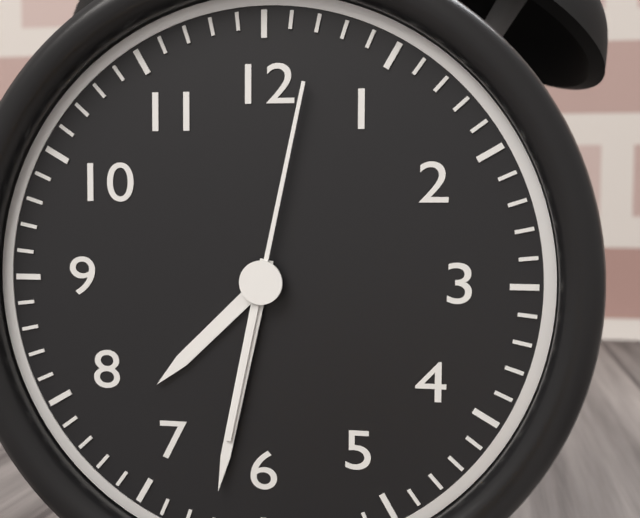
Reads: 7.32.02
